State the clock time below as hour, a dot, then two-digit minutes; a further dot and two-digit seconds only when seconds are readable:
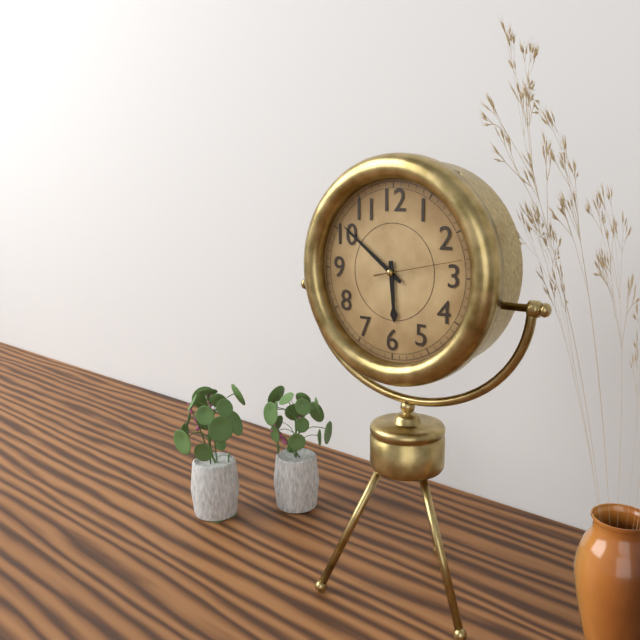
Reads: 5.51.13
